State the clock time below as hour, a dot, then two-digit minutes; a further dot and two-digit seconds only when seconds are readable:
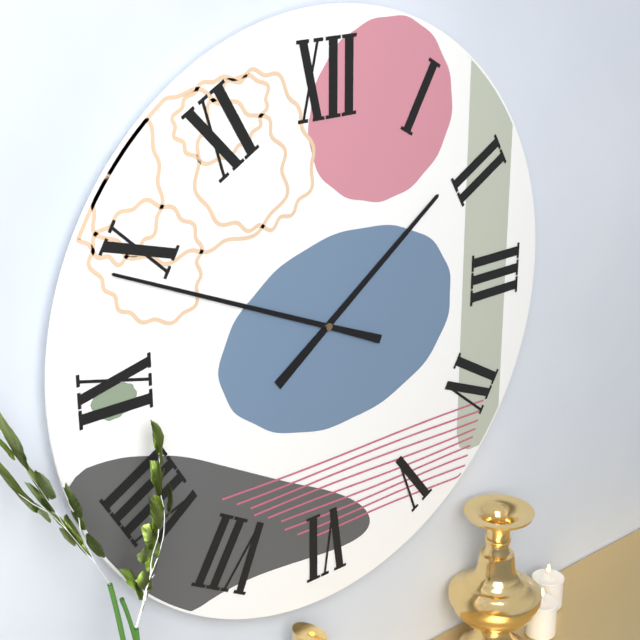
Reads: 1.49
